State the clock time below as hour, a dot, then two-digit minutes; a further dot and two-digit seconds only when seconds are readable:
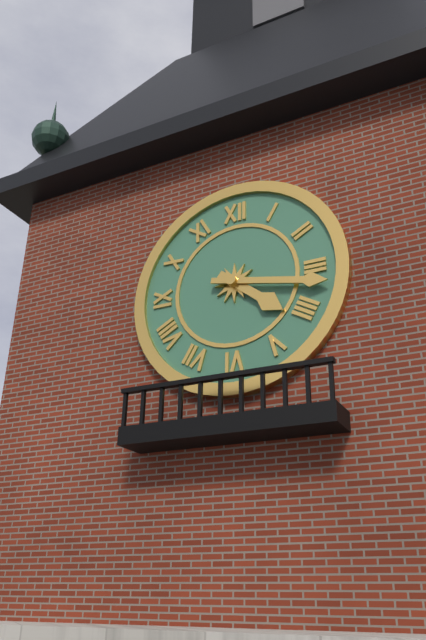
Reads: 4.17
